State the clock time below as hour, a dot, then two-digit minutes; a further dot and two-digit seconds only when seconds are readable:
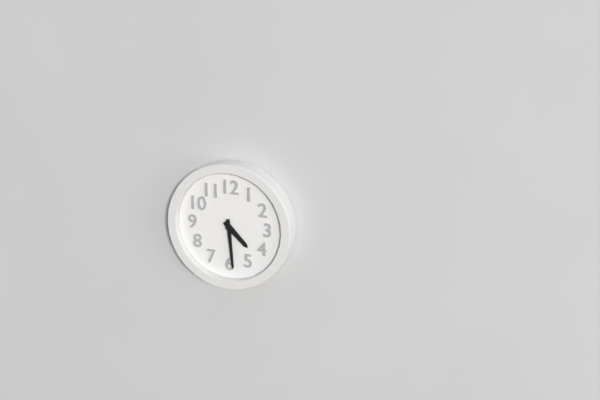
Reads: 4.29
